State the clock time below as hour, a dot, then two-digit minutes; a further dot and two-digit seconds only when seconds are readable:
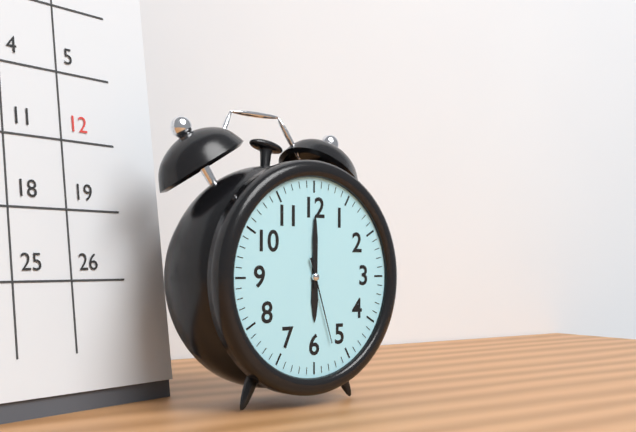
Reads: 6.00.27
